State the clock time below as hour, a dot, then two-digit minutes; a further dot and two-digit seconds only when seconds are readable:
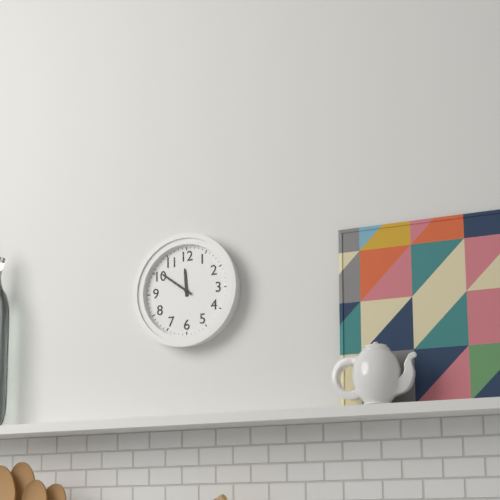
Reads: 11.51
